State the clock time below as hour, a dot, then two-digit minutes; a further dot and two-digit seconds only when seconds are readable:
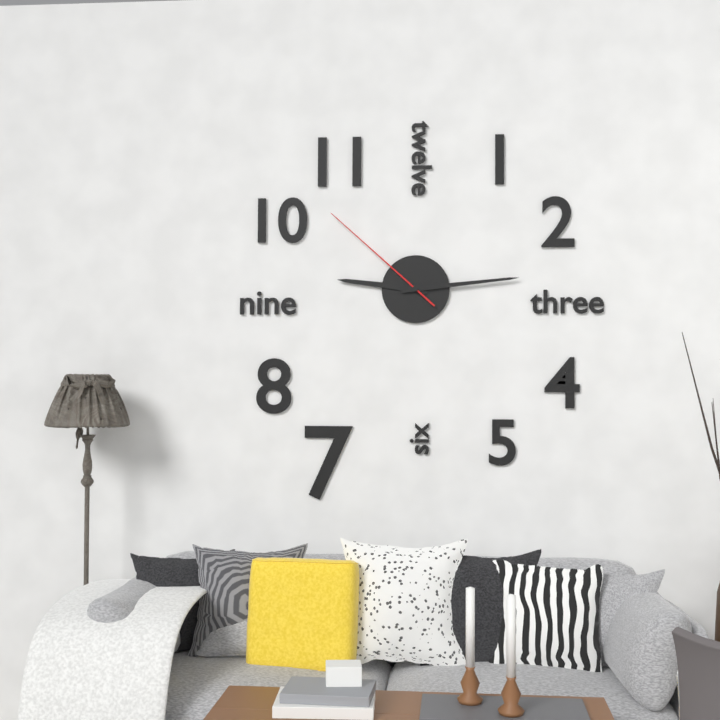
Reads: 9.14.52
